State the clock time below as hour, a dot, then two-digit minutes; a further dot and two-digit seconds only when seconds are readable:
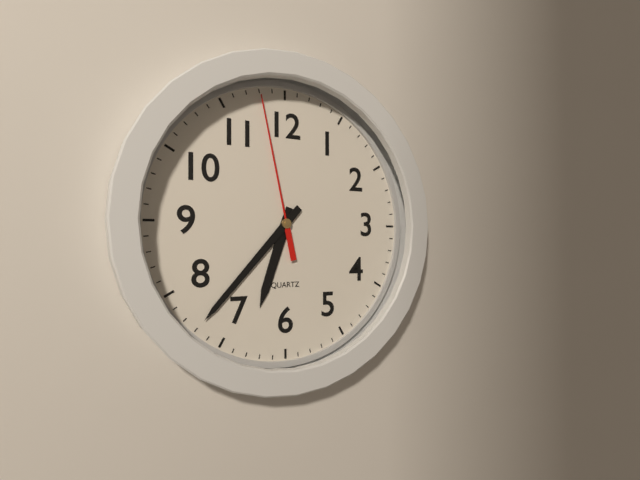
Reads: 6.37.58
